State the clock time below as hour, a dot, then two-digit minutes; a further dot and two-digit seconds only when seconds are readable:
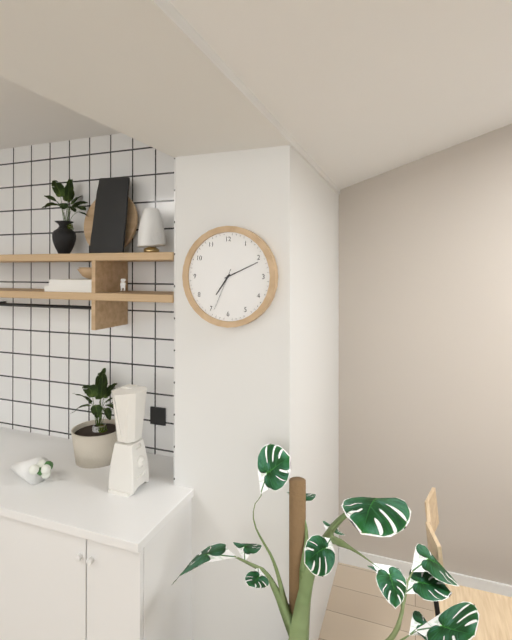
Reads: 7.11
